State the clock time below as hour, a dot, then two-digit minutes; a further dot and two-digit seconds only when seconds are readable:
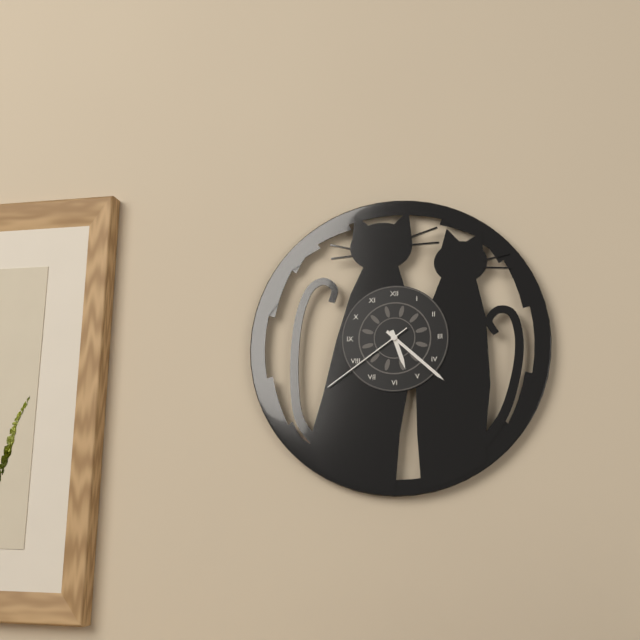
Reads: 5.22.39
